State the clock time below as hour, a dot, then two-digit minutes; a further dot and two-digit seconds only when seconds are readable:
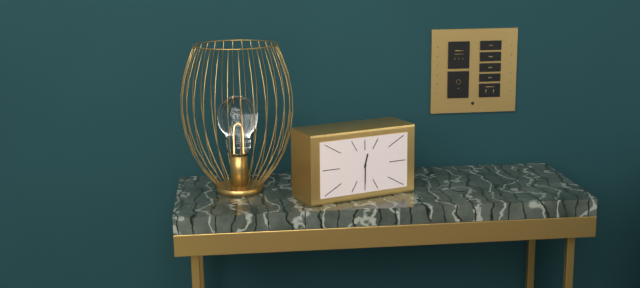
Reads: 12.30
